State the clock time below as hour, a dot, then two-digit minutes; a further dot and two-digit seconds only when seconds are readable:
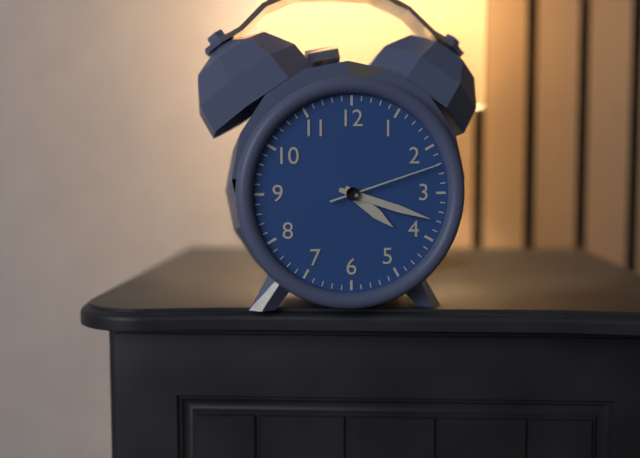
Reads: 4.18.12
